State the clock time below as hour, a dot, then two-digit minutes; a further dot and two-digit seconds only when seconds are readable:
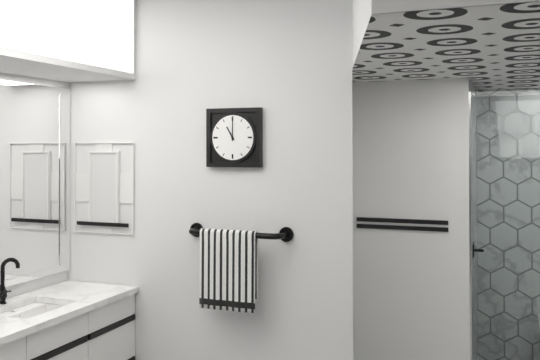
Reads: 11.00
